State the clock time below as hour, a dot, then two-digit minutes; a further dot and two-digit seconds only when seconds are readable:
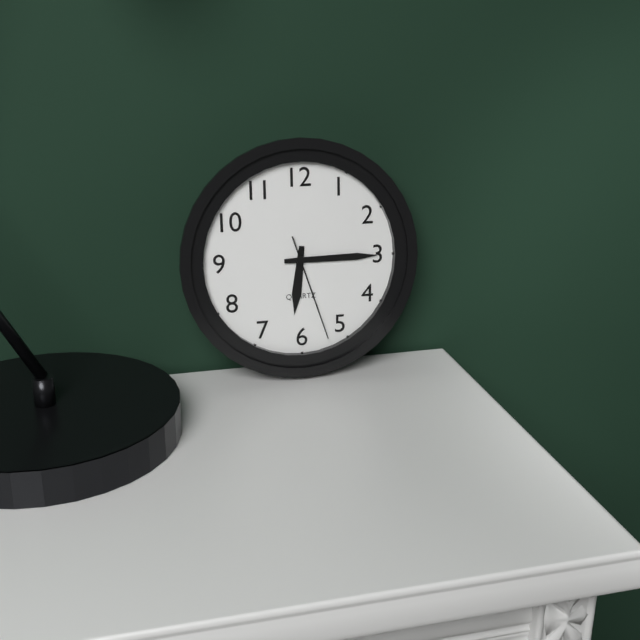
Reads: 6.15.27
